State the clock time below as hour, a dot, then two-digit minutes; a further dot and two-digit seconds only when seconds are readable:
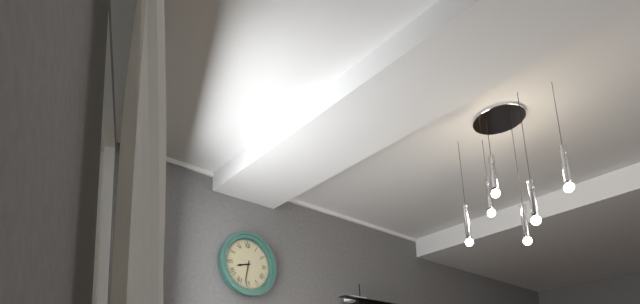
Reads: 8.32
